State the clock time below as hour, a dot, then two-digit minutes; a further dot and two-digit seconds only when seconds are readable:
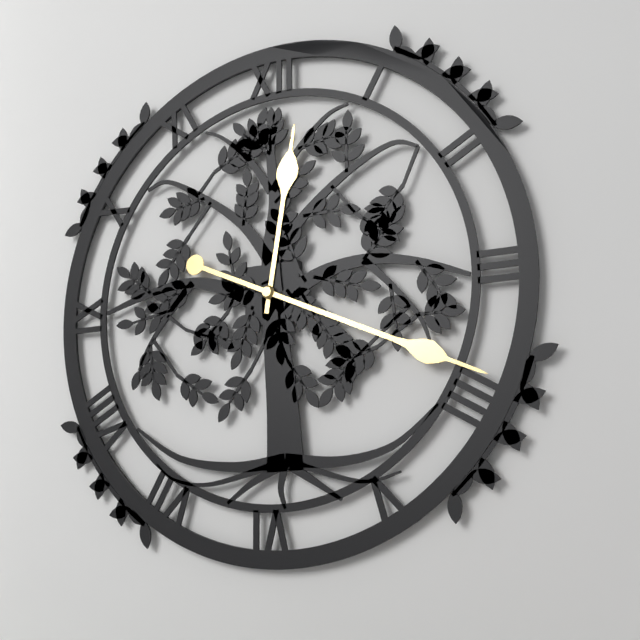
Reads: 12.19
